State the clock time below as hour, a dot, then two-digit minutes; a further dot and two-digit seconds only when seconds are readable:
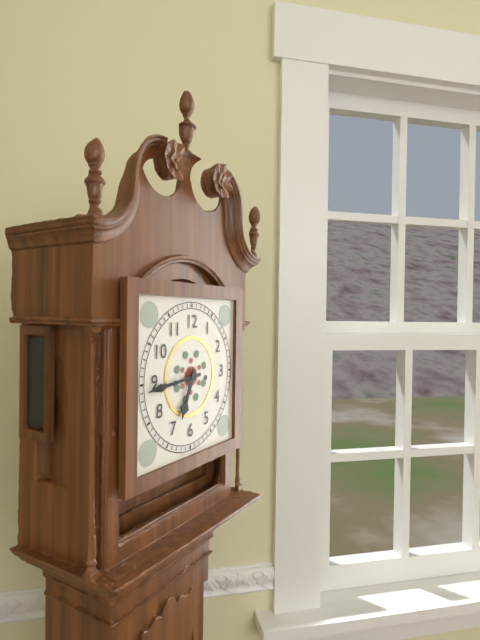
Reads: 6.44
